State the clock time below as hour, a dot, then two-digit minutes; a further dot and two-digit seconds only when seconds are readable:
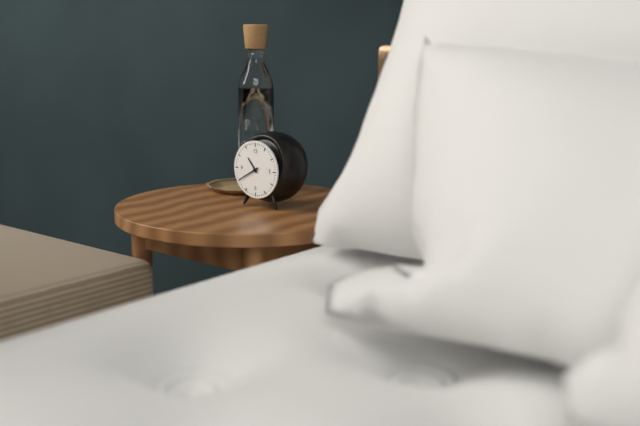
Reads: 10.40
